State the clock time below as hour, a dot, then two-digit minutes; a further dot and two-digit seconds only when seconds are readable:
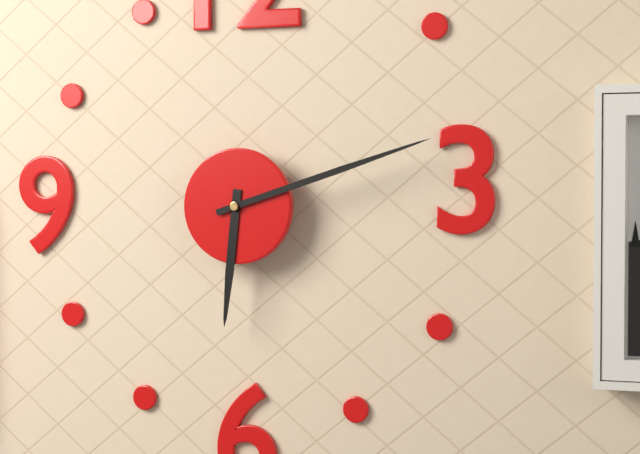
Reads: 6.12
